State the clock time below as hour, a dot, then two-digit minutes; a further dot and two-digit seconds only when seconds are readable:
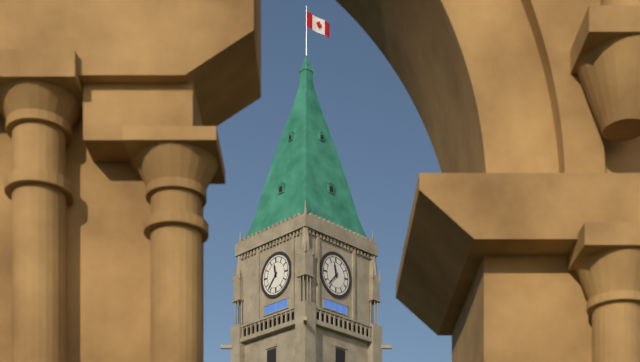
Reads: 11.37
